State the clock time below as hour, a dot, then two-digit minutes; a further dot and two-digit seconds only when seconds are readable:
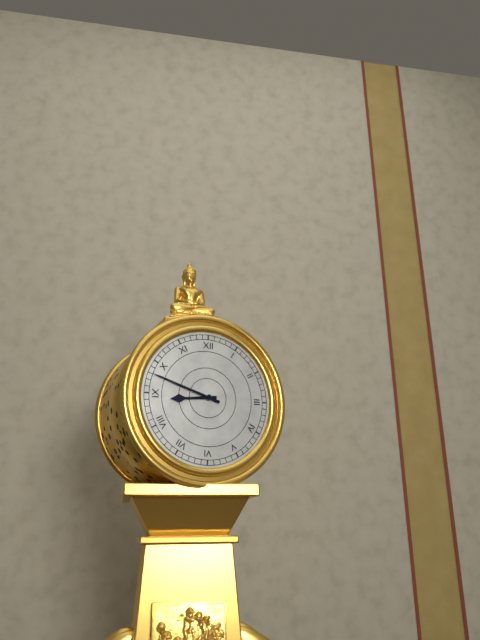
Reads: 8.48
